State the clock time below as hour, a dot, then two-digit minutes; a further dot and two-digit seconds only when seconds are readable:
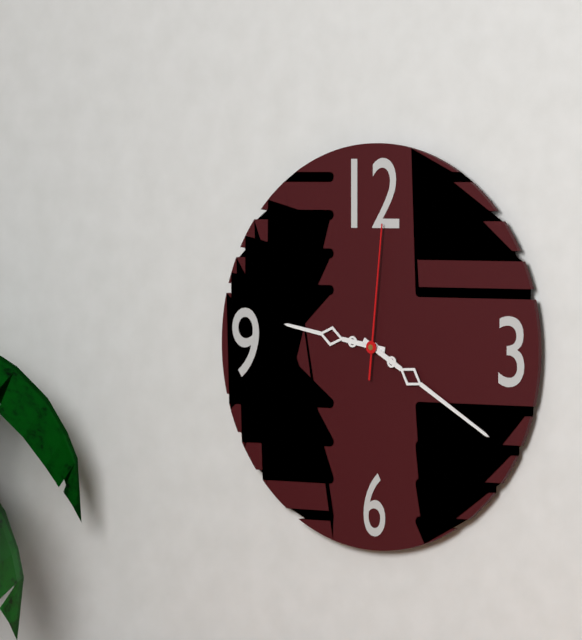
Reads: 9.20.01
